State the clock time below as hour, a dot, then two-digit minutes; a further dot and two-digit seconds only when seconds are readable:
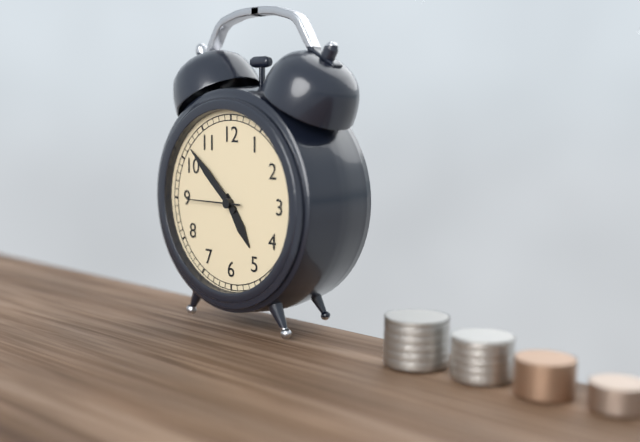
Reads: 4.52
